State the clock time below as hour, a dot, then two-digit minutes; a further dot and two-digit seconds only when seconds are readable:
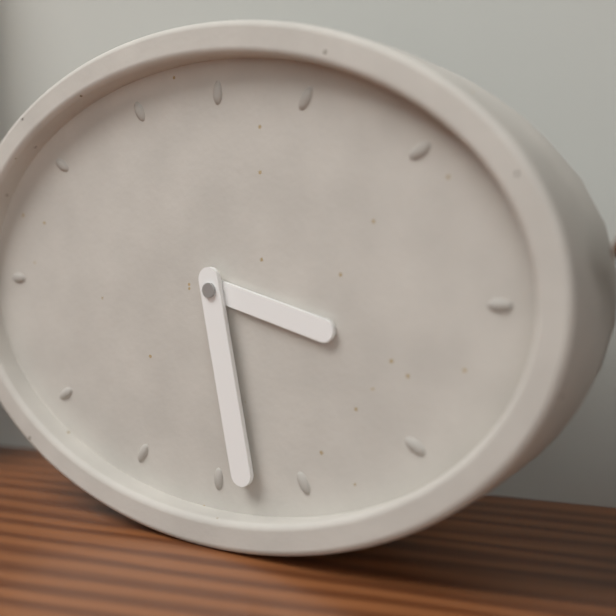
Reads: 3.28
